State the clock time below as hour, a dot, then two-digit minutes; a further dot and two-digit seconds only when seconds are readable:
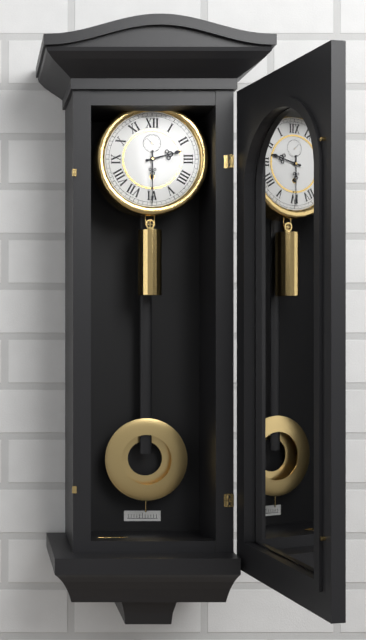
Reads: 2.30
